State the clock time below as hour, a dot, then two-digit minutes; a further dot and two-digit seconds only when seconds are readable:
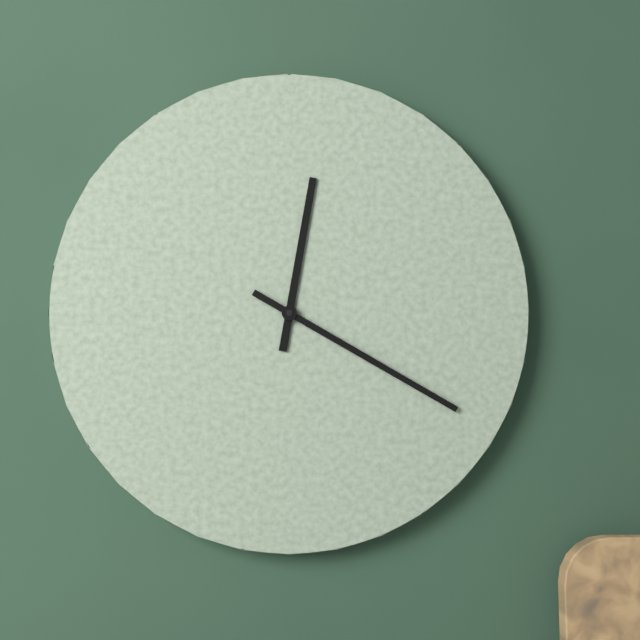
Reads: 12.20
